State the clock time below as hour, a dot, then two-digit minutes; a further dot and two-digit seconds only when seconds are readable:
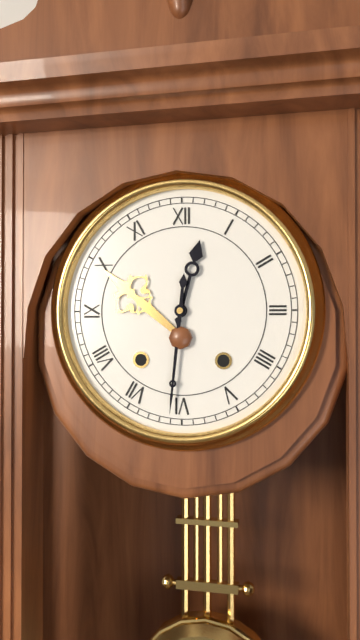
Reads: 12.31
